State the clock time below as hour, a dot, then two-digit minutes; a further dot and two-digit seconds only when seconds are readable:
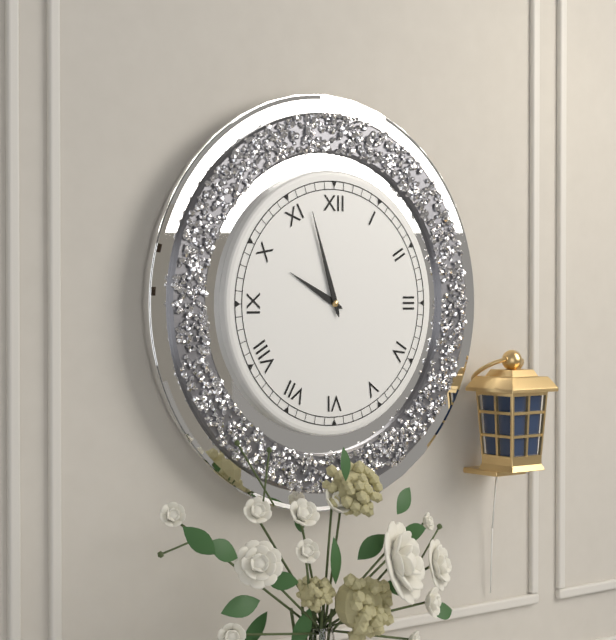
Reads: 9.57
